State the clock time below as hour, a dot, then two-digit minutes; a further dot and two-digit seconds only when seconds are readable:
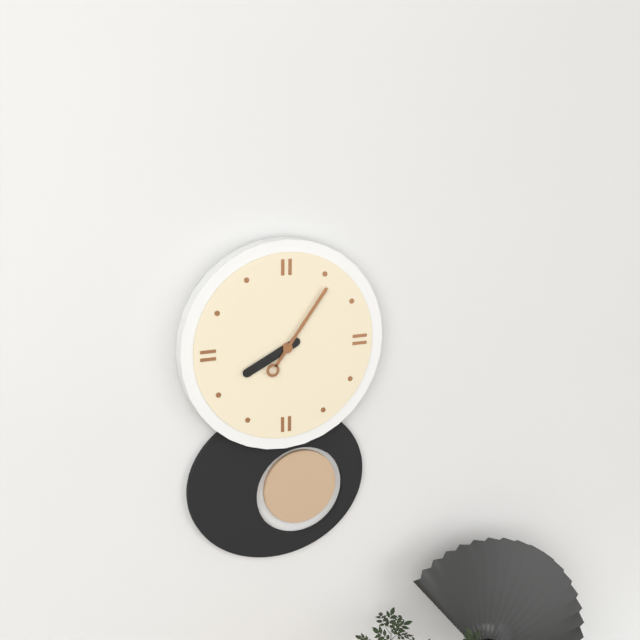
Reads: 8.06
